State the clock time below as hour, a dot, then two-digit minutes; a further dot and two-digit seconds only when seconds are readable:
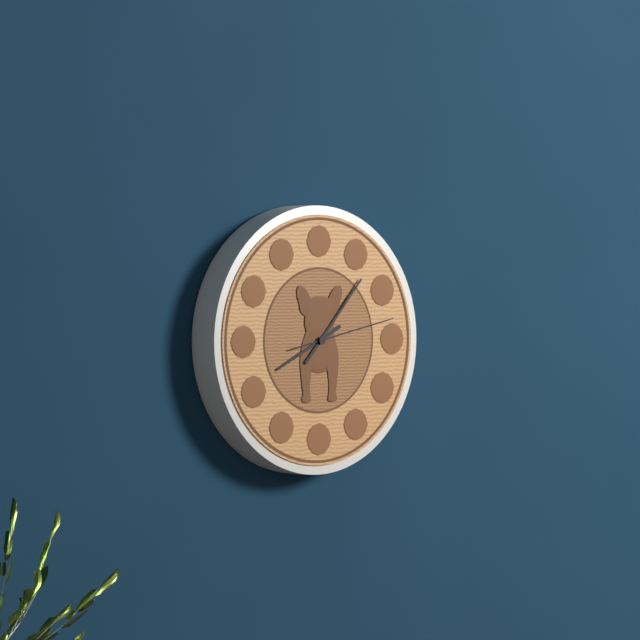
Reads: 8.07.13
